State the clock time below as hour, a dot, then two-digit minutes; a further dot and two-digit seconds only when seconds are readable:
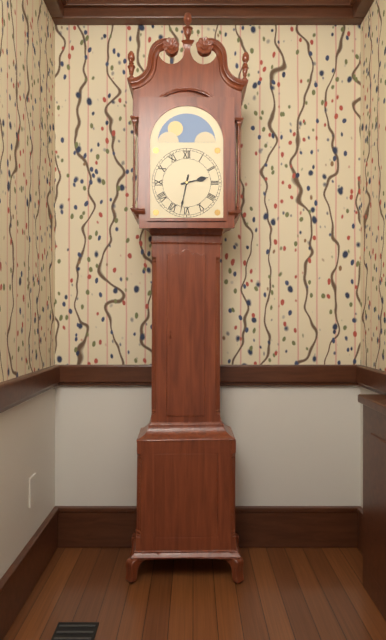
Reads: 2.32
